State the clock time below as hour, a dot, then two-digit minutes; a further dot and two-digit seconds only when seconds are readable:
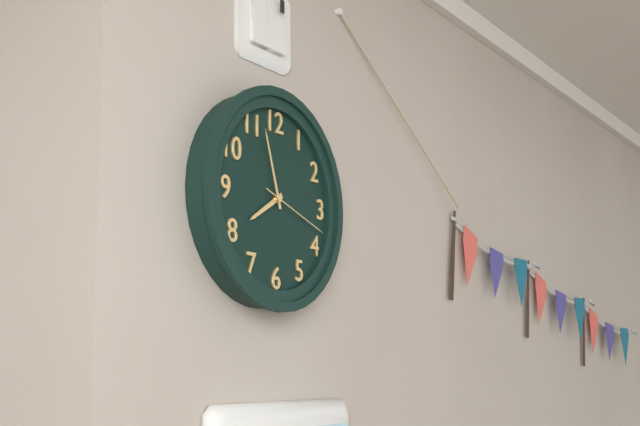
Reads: 7.57.18
